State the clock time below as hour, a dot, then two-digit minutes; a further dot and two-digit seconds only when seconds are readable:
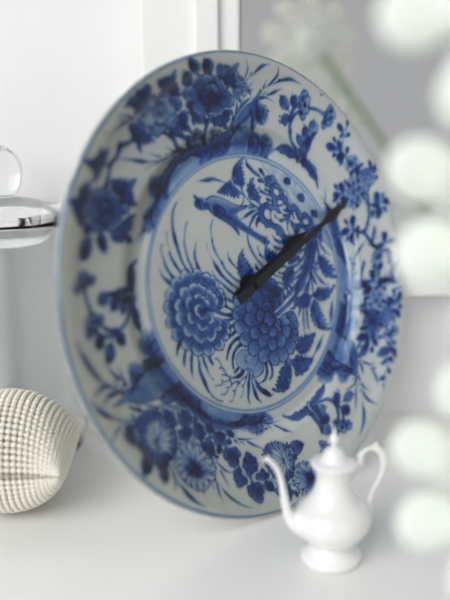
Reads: 2.11
